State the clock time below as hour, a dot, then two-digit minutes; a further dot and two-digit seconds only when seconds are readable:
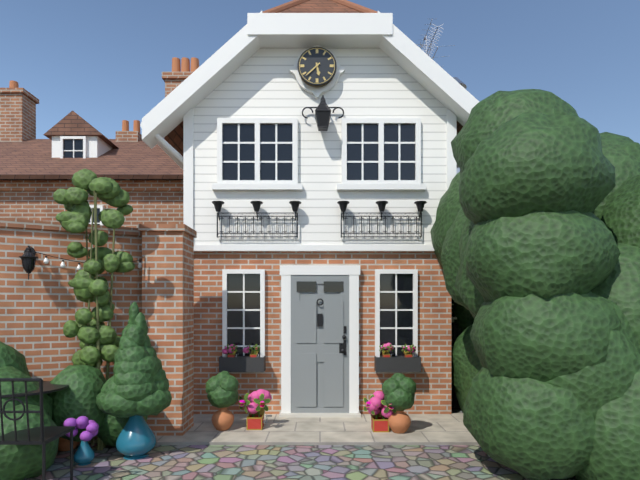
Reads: 5.38
